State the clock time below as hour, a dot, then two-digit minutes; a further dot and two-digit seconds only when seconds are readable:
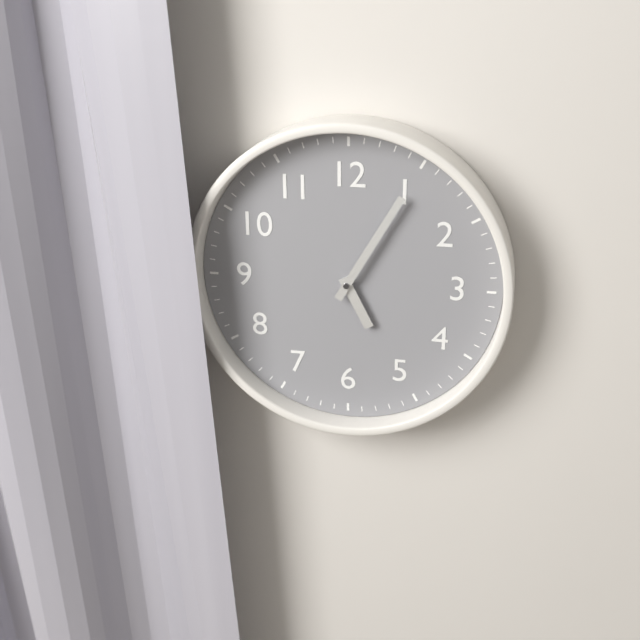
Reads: 5.05
